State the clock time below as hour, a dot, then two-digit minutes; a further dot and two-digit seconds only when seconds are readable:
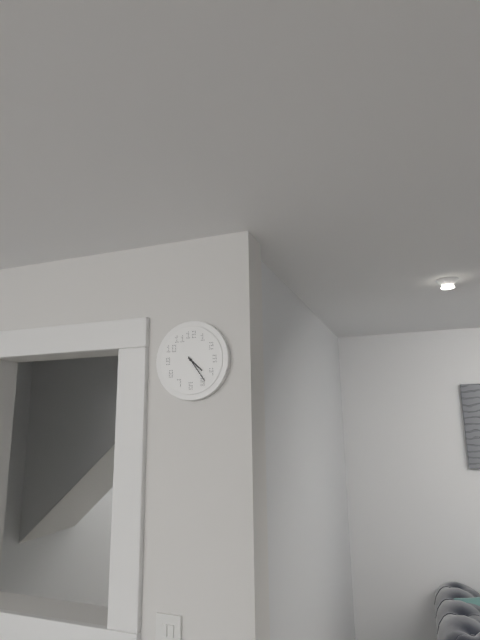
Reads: 4.24
